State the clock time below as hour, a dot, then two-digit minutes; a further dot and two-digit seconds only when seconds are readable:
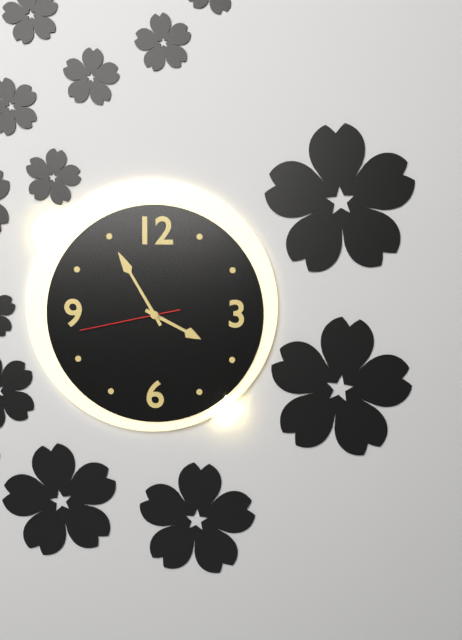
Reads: 3.55.43
